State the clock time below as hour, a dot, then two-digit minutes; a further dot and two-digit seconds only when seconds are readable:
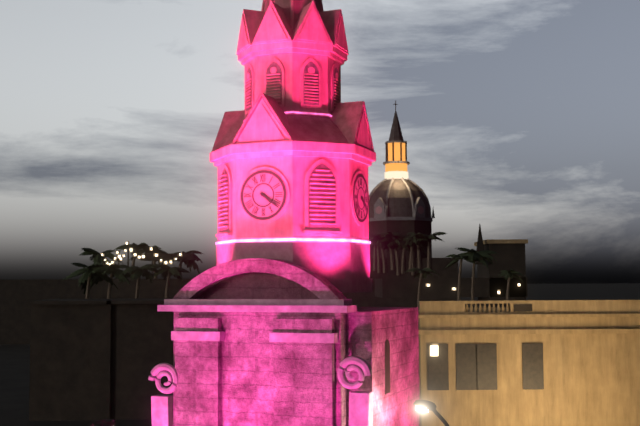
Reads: 4.21
